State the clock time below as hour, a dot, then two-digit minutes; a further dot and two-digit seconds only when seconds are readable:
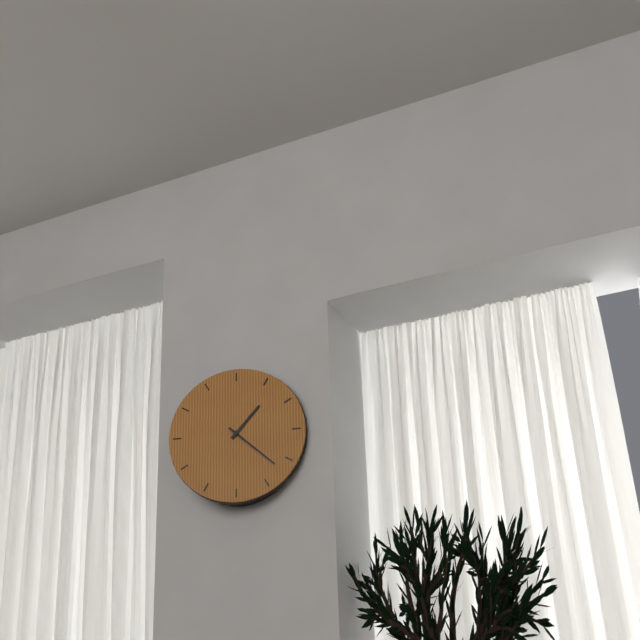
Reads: 1.22
